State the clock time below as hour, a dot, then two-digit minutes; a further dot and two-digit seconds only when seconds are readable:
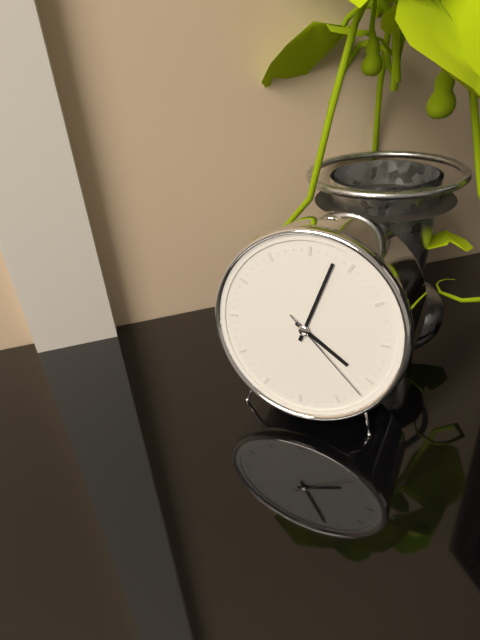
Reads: 4.03.22
